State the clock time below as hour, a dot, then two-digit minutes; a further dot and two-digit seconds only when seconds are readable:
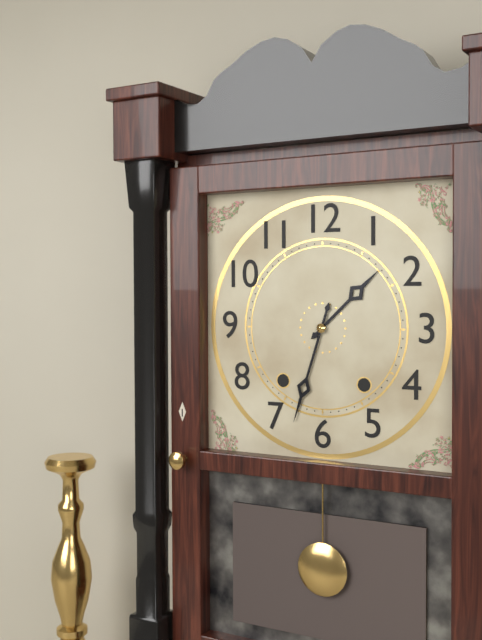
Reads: 1.33
